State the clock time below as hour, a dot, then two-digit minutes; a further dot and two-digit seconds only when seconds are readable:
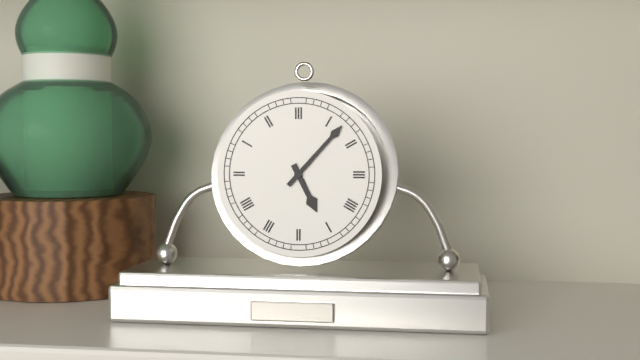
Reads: 5.07
